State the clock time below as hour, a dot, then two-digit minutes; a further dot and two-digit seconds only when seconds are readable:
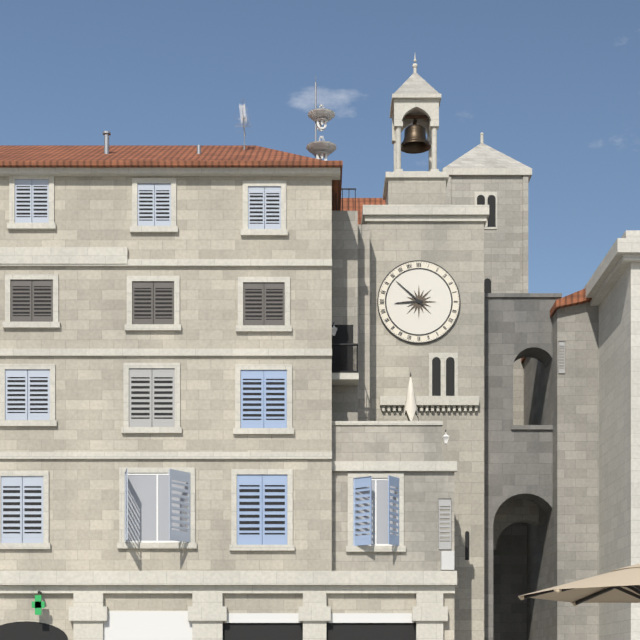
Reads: 8.52
